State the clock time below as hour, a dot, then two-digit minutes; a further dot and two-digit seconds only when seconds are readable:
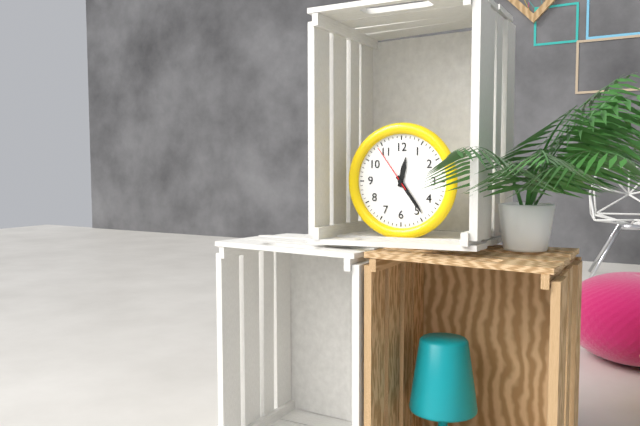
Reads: 12.24.54
